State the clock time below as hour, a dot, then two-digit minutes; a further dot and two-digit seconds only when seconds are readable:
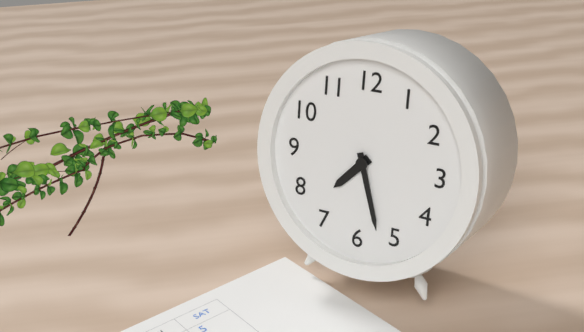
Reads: 7.27
